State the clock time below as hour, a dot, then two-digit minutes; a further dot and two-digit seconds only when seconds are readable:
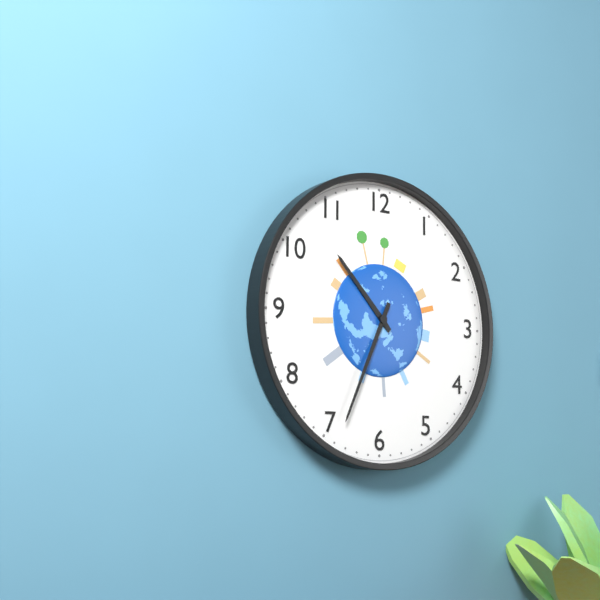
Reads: 10.34
